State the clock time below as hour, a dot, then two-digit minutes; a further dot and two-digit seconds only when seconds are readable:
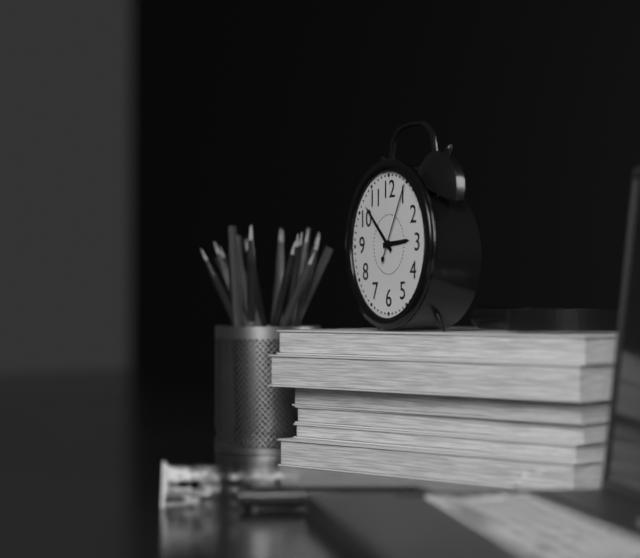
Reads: 2.52.05
